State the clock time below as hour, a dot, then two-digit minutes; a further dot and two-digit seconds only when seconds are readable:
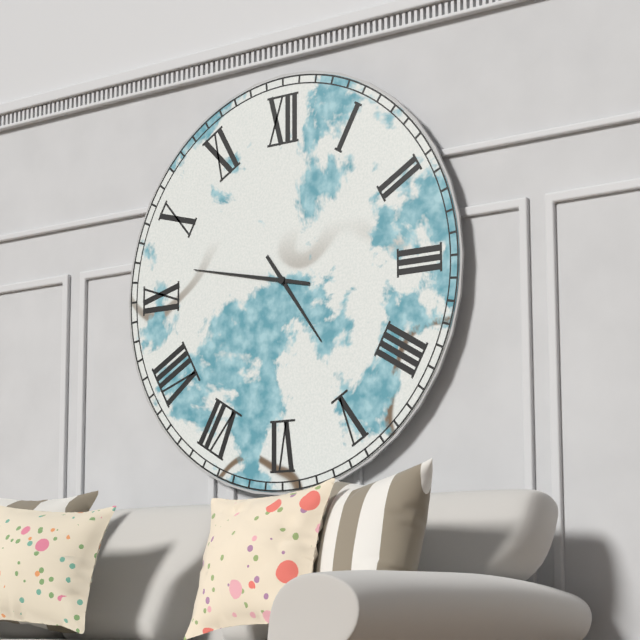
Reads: 4.47
